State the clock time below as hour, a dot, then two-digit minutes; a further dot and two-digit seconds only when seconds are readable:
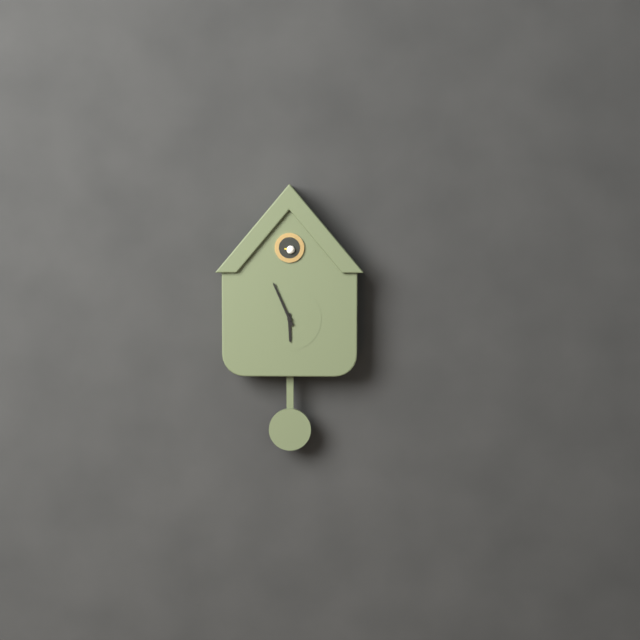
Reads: 5.56
